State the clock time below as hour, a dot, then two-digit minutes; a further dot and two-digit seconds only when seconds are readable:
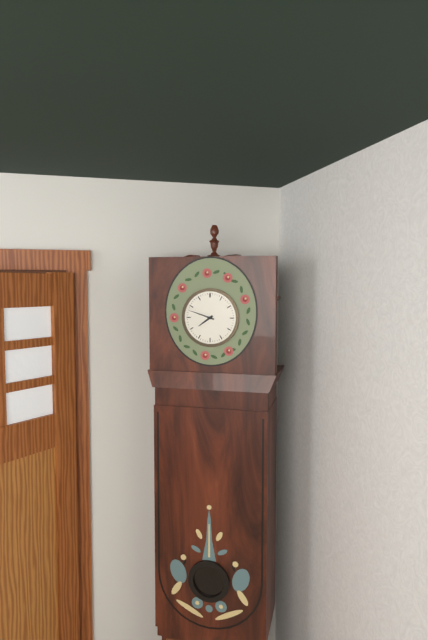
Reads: 7.48
